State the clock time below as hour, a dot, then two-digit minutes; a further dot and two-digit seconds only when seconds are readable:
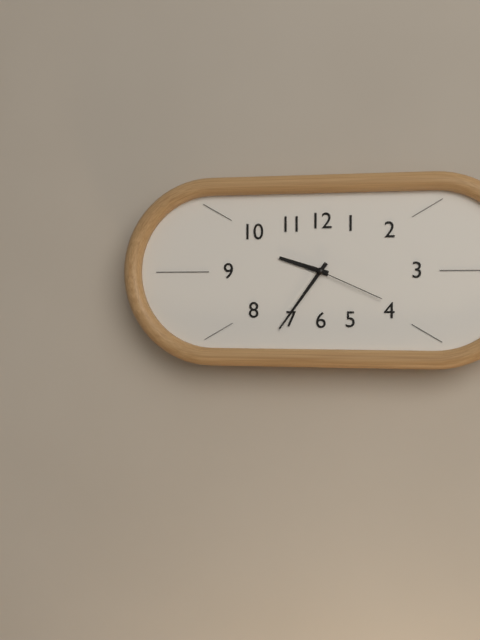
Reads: 9.36.19
